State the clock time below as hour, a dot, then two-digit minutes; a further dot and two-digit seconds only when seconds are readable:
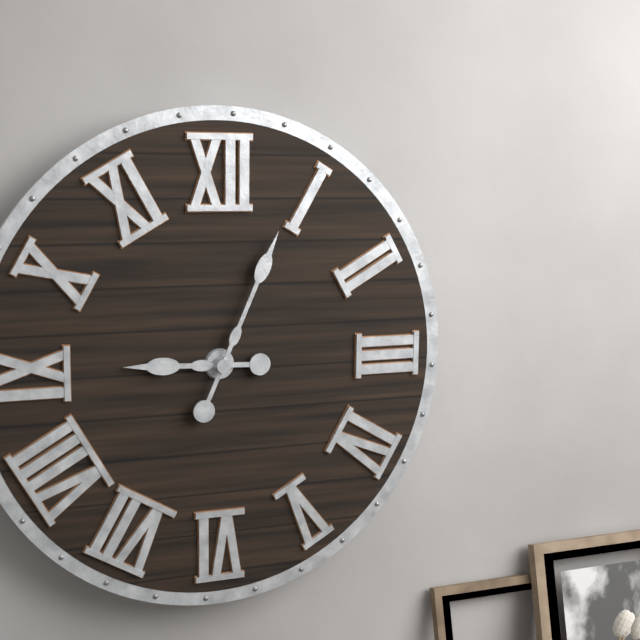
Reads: 9.04
